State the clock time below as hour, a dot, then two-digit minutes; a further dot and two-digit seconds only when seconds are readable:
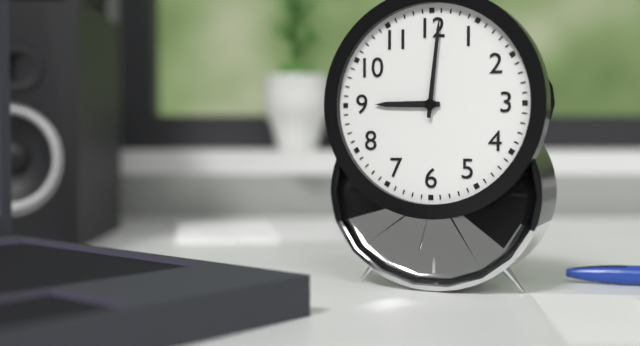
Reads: 9.01
